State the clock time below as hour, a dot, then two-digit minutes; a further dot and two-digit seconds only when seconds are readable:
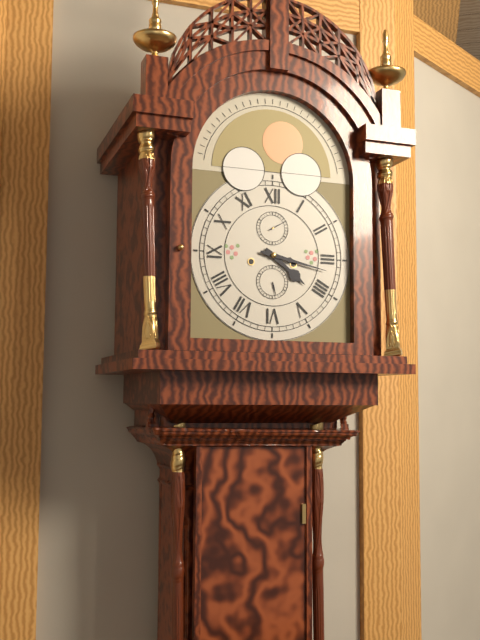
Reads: 4.17
